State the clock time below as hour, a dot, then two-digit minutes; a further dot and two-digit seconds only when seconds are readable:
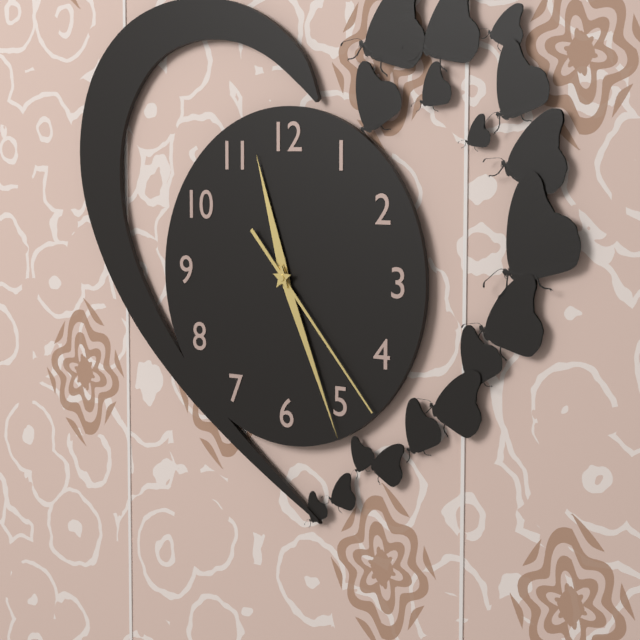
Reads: 11.26.23
